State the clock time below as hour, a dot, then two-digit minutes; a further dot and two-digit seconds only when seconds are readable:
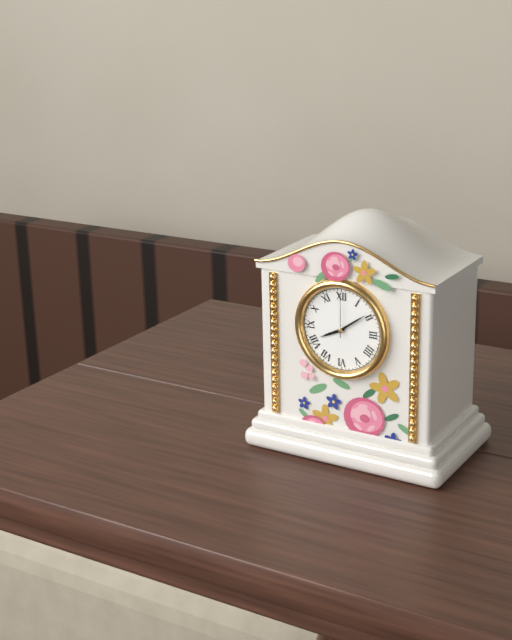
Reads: 8.09
